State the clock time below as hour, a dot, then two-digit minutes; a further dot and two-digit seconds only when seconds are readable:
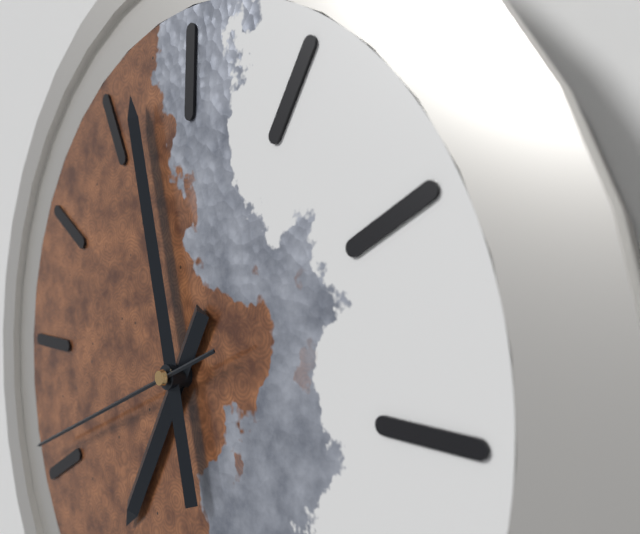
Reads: 6.57.41
